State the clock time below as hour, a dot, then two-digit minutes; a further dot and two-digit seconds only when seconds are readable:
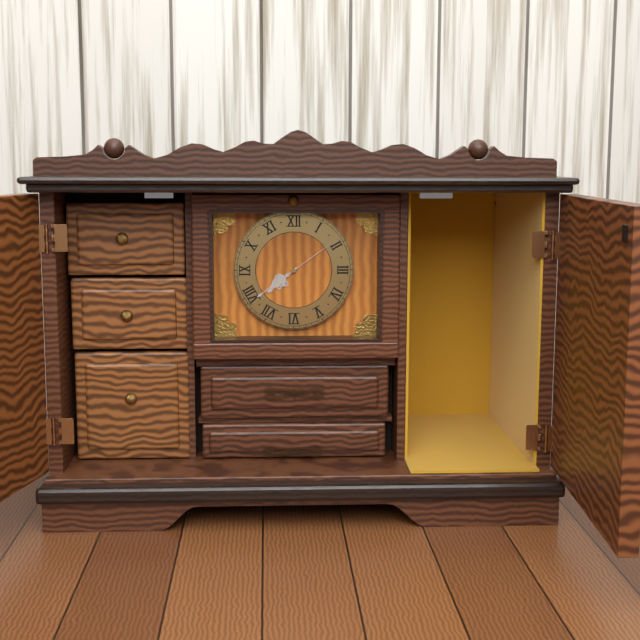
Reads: 7.39.09
